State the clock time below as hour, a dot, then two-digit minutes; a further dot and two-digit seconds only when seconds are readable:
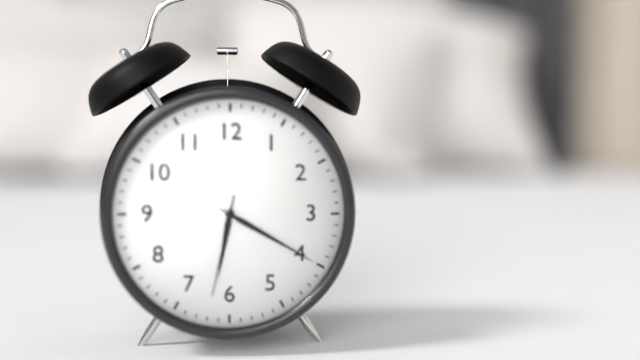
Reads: 6.20.32
